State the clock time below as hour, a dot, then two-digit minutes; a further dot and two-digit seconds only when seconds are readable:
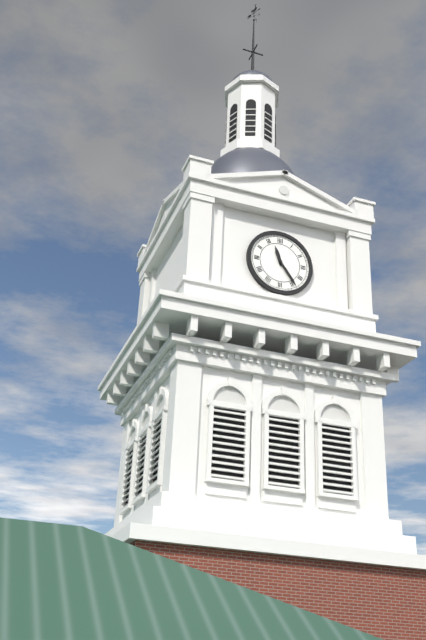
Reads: 11.24
